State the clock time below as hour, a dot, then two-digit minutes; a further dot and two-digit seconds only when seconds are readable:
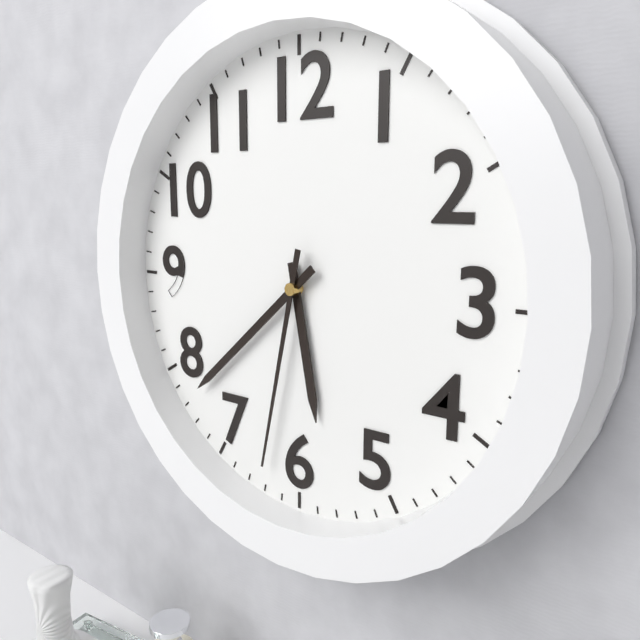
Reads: 5.38.32
